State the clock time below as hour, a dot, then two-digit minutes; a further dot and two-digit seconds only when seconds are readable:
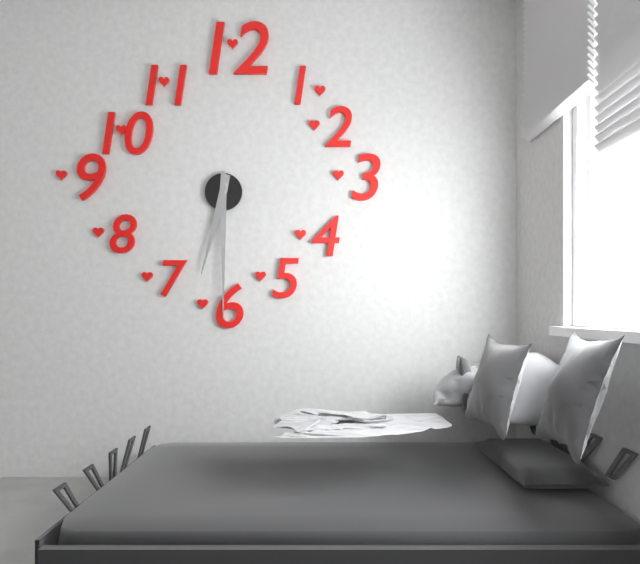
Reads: 6.30
